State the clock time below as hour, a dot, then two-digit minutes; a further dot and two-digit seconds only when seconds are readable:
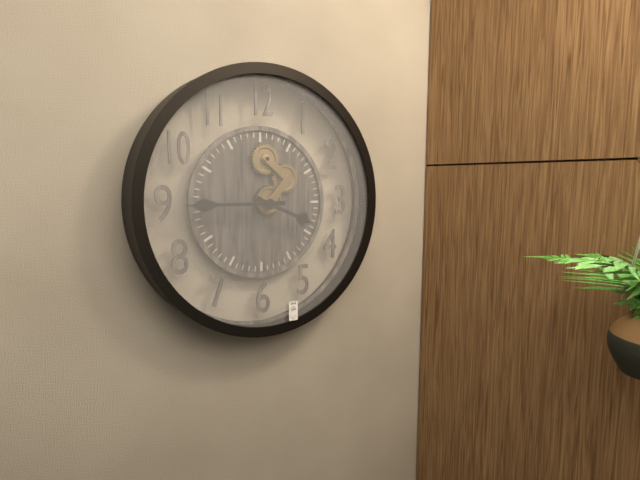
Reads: 3.45
